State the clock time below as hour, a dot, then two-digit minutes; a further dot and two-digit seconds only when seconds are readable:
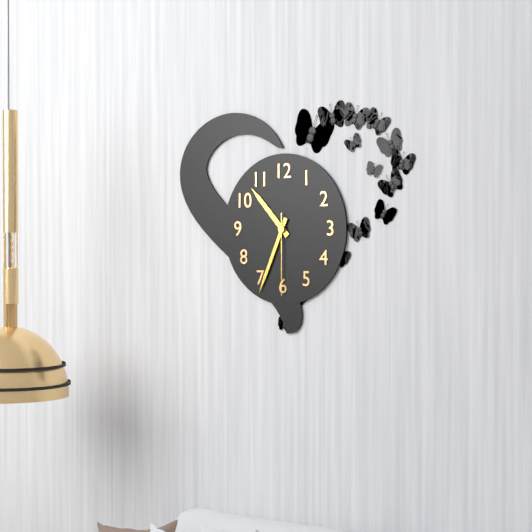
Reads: 10.34.30
